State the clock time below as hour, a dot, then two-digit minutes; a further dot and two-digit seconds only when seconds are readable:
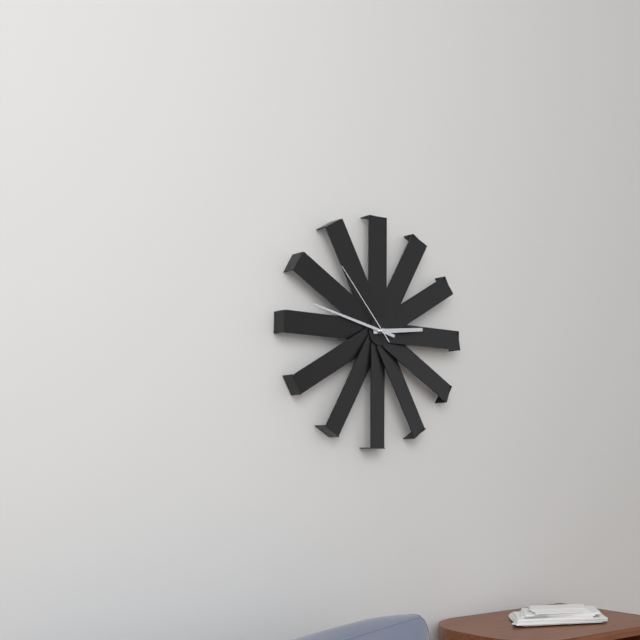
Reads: 2.47.53
